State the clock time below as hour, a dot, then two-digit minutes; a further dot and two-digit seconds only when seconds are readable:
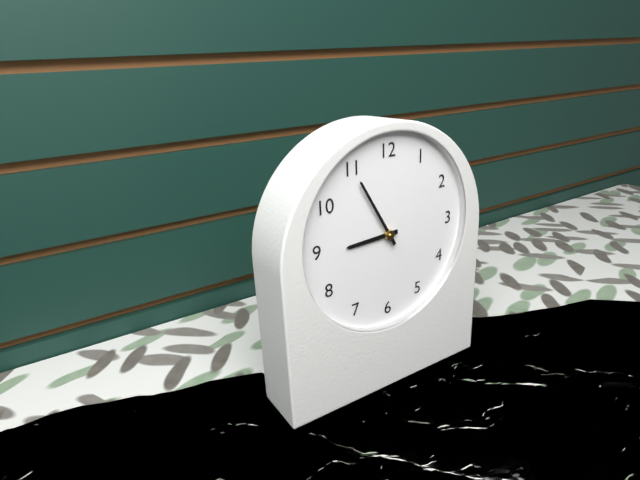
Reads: 8.55
